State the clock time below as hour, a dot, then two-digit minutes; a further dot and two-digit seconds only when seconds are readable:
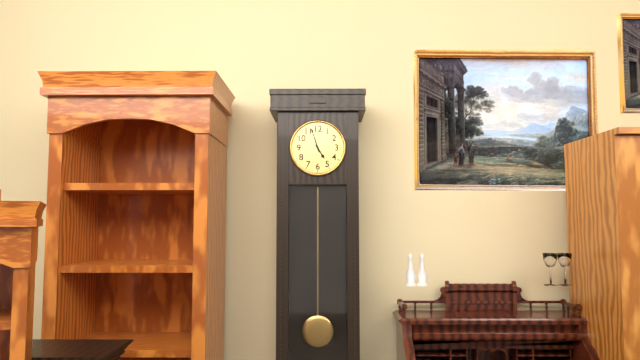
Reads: 4.57
